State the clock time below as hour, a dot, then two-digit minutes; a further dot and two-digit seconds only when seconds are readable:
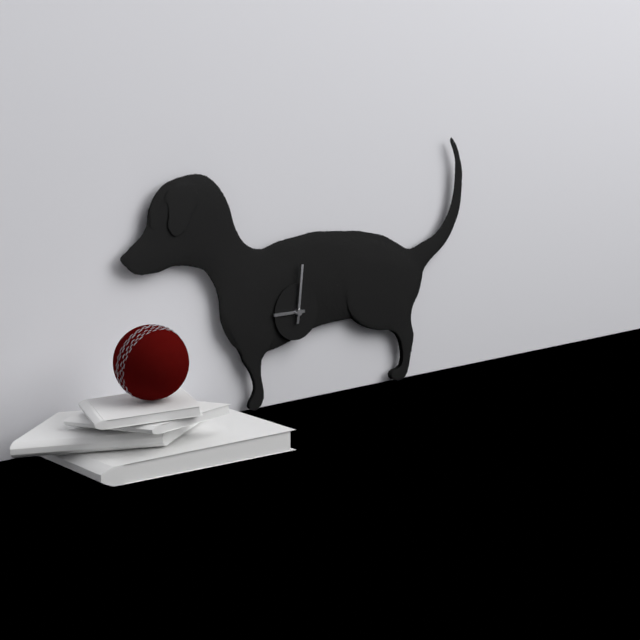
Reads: 9.01
